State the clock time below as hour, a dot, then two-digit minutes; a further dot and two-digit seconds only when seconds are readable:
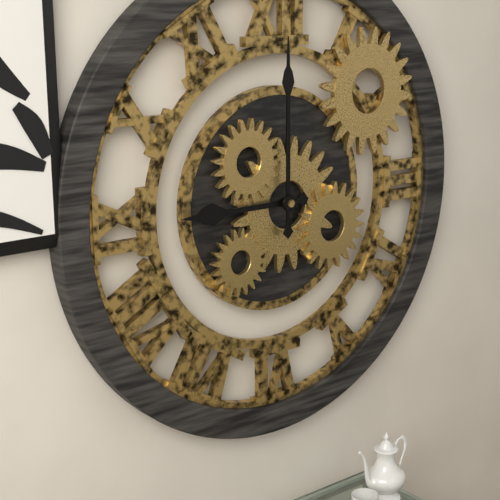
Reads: 9.00
